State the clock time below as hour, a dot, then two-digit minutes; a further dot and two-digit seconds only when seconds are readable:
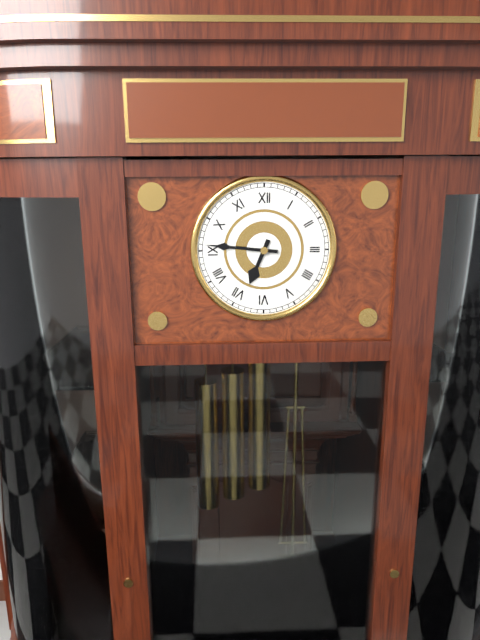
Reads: 6.46
